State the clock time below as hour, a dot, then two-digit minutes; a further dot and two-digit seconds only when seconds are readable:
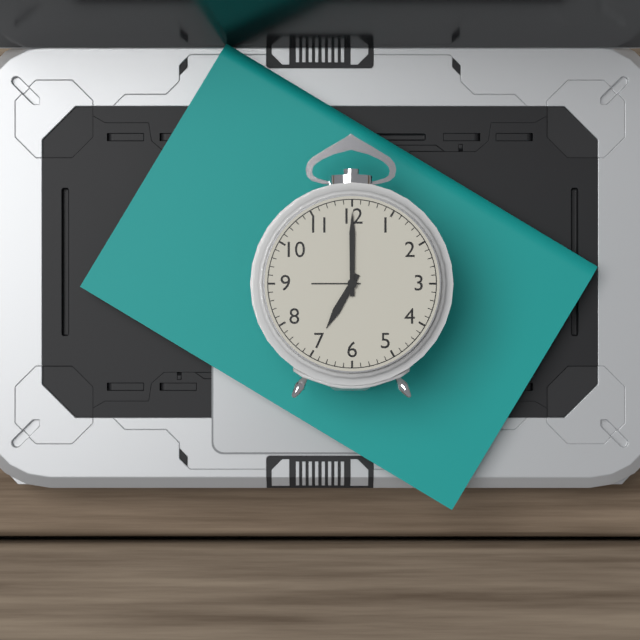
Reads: 7.00
